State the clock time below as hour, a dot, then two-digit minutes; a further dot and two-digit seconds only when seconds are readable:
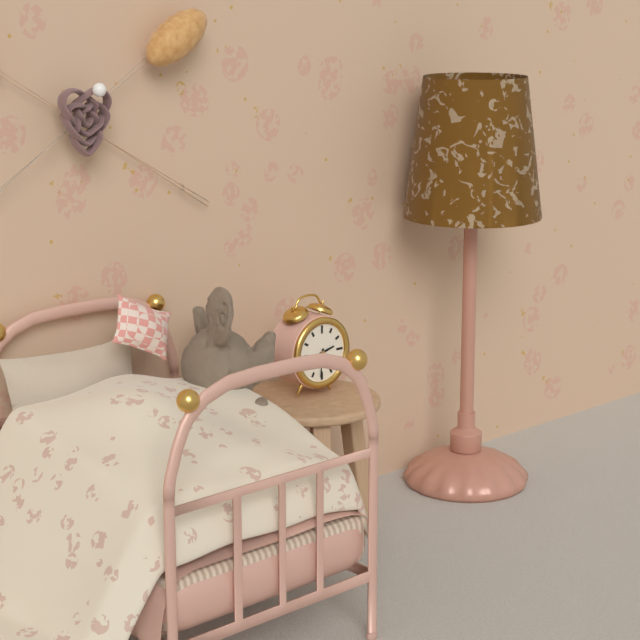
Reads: 2.31
